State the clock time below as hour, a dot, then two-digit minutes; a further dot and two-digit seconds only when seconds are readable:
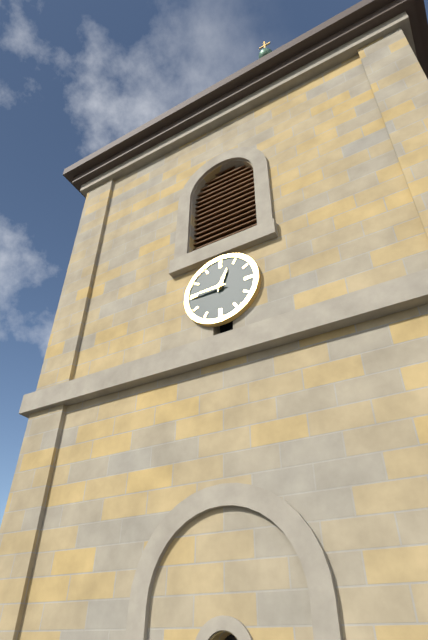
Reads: 12.45
